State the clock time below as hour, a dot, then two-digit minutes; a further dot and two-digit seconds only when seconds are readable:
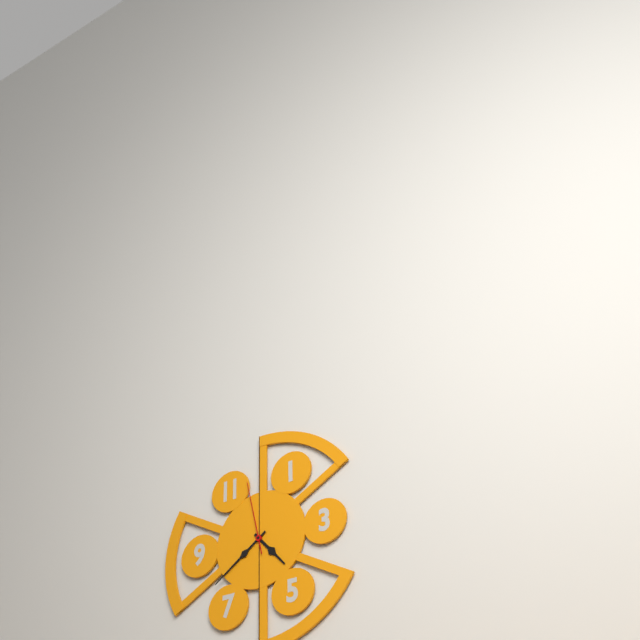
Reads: 4.39.58
